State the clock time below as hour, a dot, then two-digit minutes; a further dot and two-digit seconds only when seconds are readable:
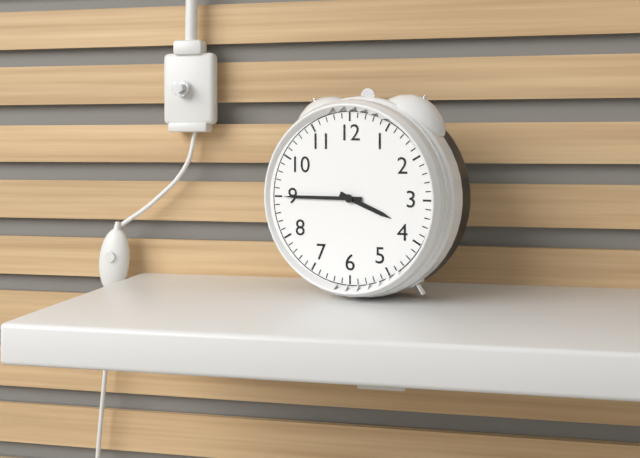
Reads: 3.45
